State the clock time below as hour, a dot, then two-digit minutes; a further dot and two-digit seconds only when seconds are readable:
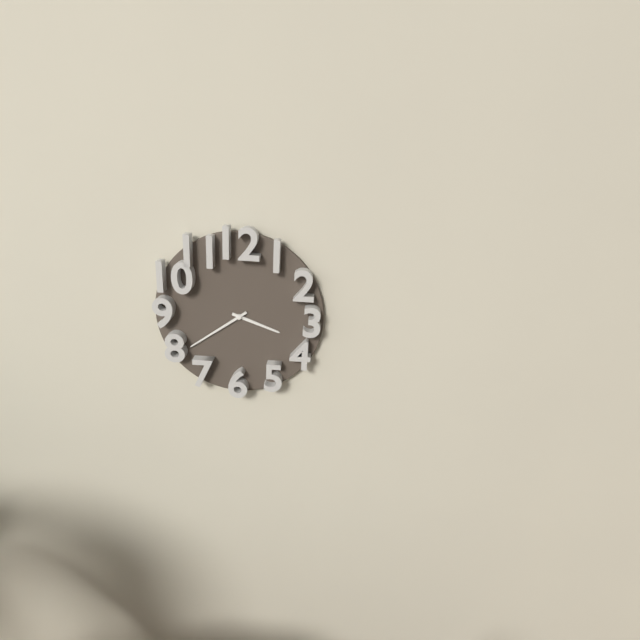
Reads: 3.39
